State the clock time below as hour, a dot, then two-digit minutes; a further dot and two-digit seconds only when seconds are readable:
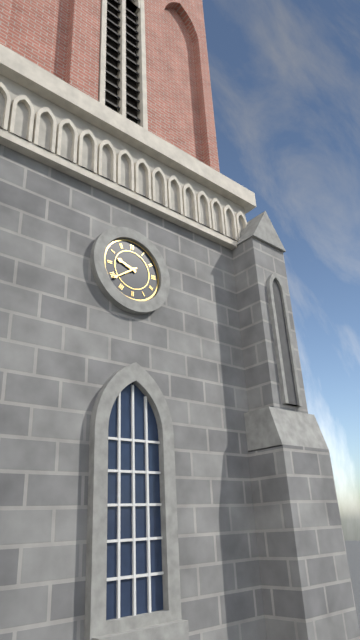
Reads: 9.39
